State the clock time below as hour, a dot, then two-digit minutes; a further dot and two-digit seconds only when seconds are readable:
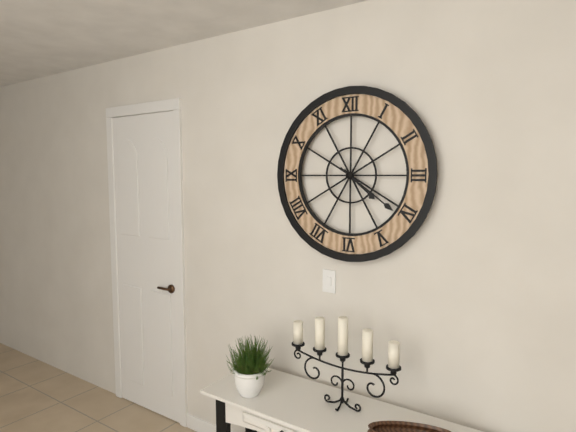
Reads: 4.21
